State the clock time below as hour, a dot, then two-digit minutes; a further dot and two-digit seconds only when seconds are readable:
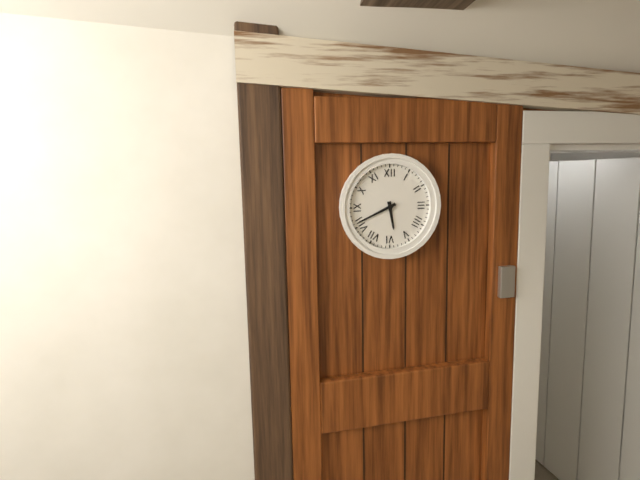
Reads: 5.41
